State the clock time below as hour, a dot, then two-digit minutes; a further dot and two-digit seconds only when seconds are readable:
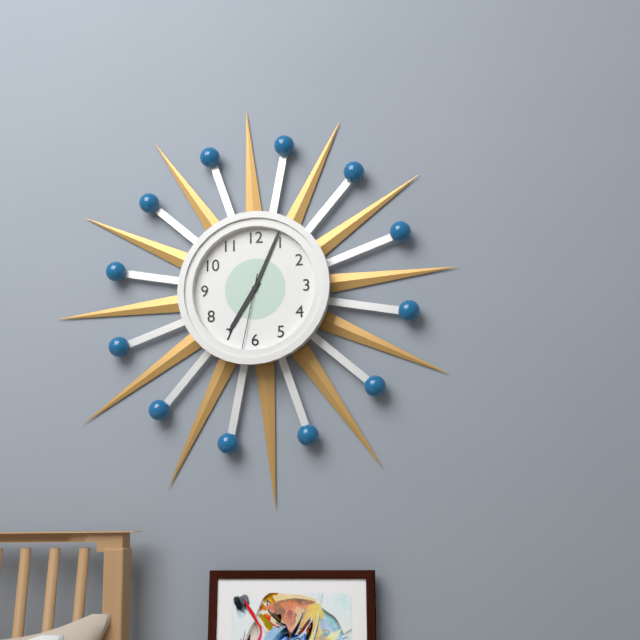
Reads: 7.04.32
